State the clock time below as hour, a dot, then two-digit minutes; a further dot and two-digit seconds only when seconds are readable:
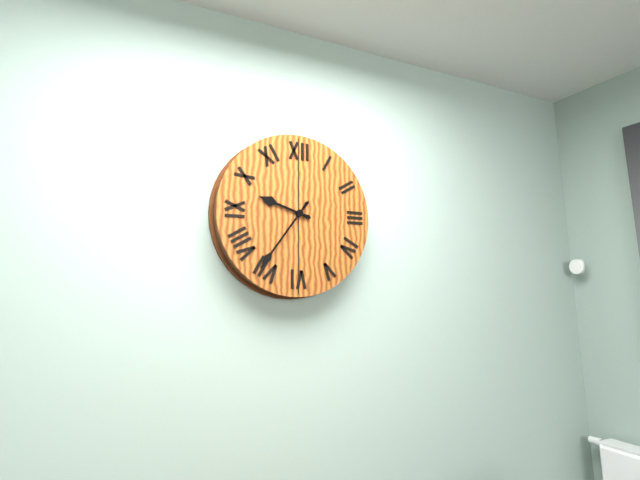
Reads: 9.36
